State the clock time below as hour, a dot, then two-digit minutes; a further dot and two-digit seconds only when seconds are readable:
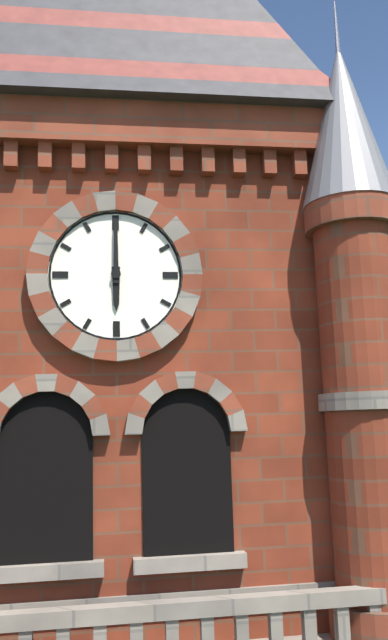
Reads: 6.00
